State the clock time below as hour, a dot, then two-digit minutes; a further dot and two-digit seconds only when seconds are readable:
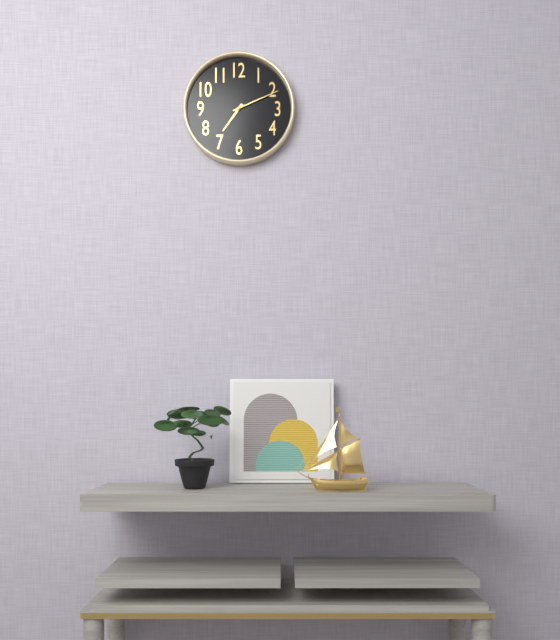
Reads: 7.11
